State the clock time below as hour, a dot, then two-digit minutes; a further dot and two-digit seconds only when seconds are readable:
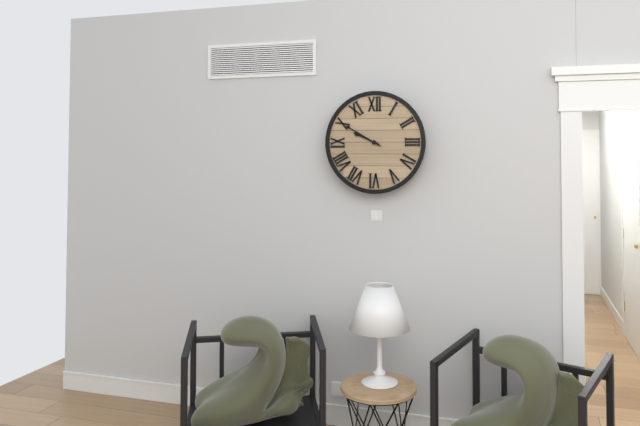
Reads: 9.50
